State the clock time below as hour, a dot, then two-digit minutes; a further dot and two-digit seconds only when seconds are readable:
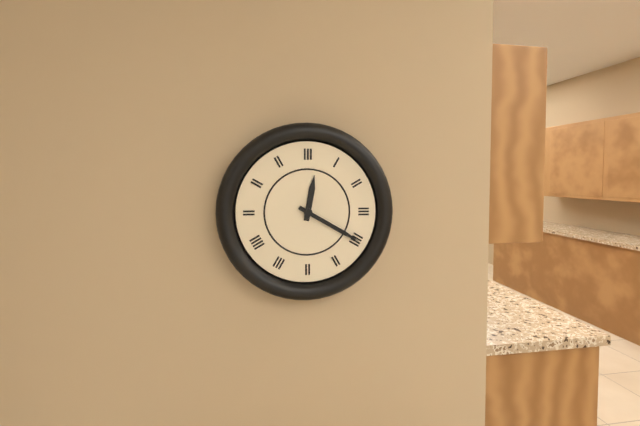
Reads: 12.20
